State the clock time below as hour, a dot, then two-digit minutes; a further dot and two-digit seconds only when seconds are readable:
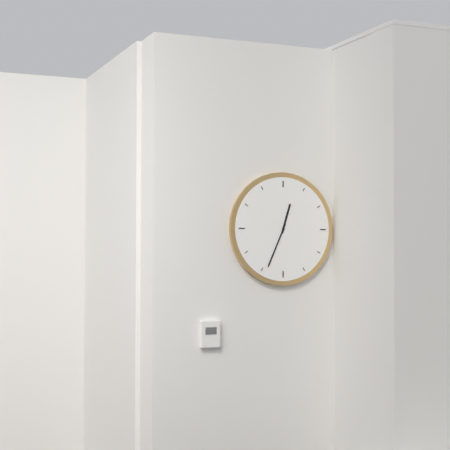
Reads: 12.34
